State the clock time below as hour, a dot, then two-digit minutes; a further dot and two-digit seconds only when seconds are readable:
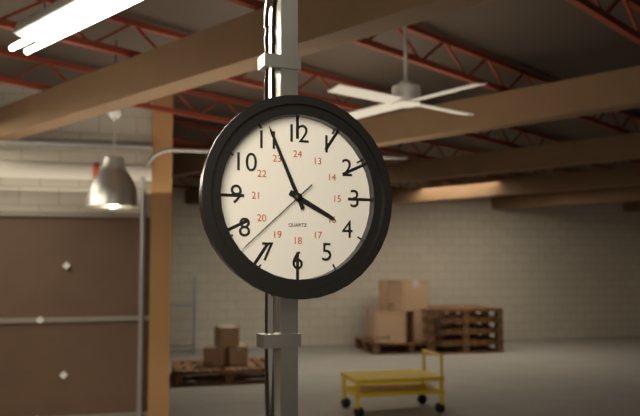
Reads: 3.56.38
